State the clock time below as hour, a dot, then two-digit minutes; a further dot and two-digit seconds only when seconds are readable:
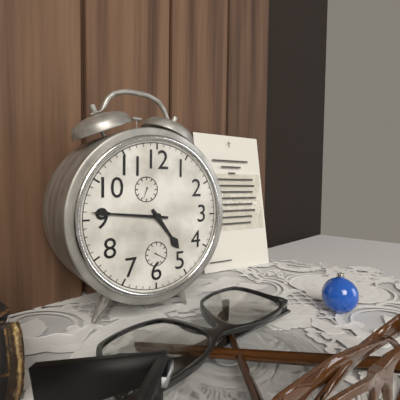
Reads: 4.46
